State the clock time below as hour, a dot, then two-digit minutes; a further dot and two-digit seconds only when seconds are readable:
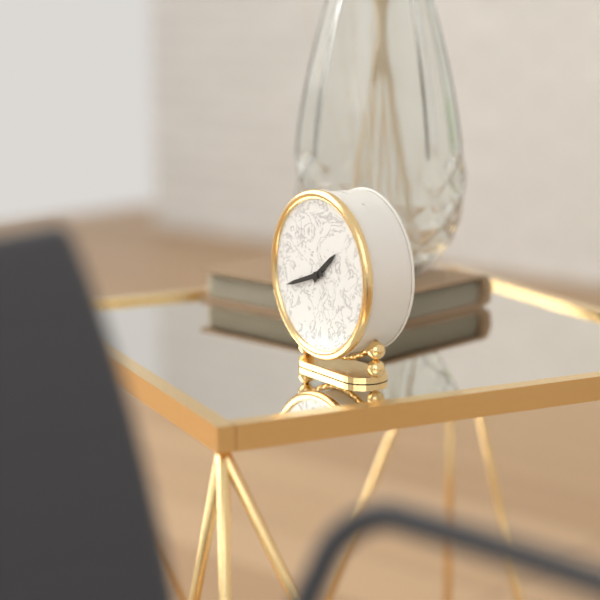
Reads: 1.42
